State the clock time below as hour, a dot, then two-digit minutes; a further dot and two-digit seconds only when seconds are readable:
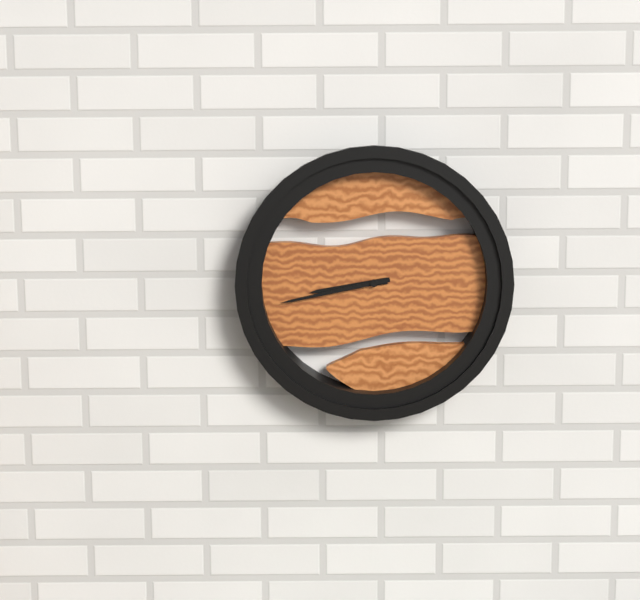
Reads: 8.43
